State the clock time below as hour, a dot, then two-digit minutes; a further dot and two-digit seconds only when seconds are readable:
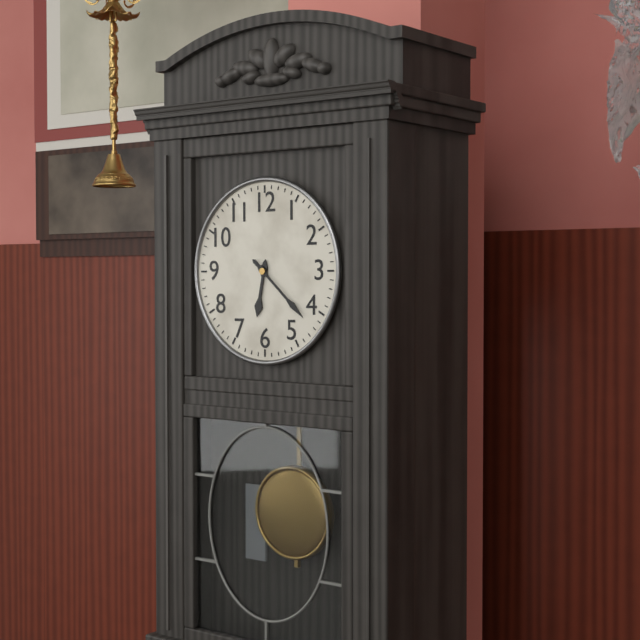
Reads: 6.22
